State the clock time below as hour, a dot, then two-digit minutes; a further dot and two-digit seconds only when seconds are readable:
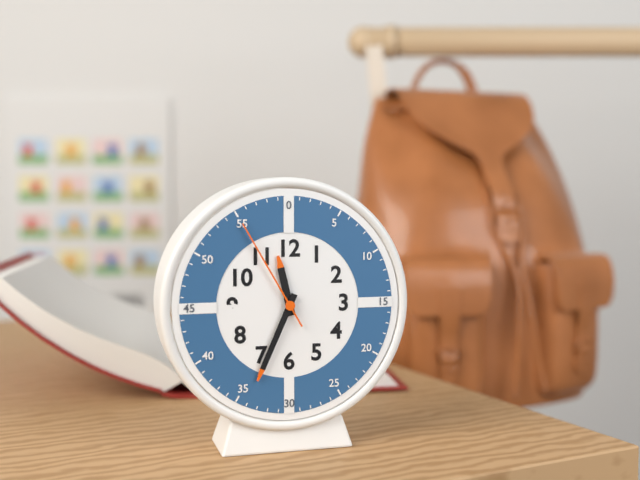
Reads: 11.34.55
